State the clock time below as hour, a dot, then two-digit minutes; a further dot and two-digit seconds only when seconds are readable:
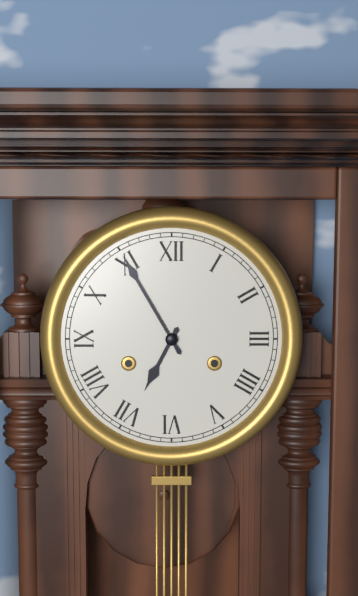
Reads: 6.55
